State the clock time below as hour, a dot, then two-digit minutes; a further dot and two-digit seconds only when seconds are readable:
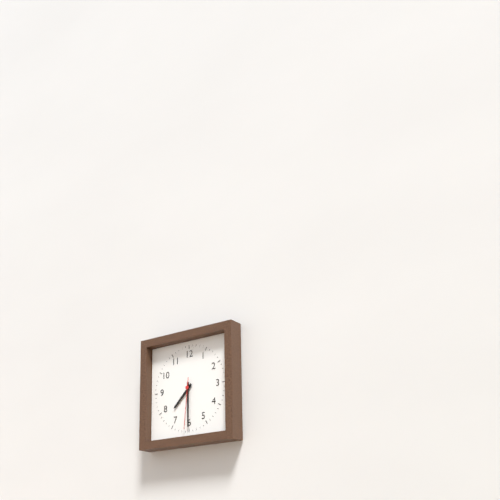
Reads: 7.30.31
